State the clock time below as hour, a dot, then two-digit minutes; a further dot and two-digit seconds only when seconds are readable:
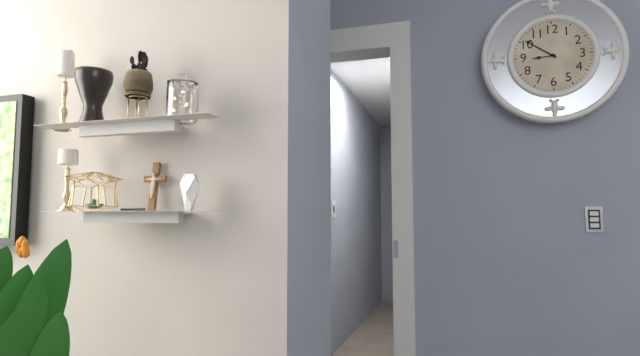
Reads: 8.51
